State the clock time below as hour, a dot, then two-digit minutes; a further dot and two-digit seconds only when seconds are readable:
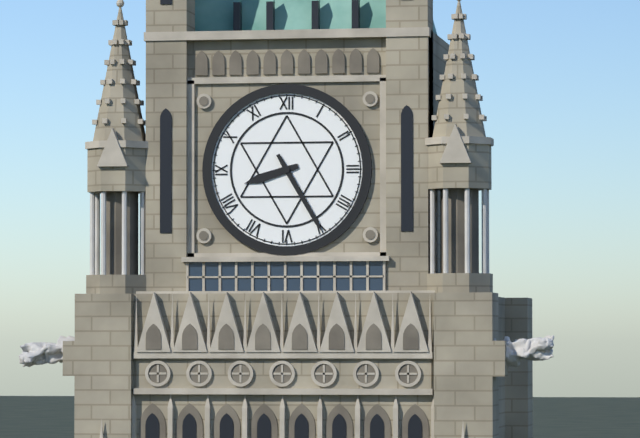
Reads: 8.25
